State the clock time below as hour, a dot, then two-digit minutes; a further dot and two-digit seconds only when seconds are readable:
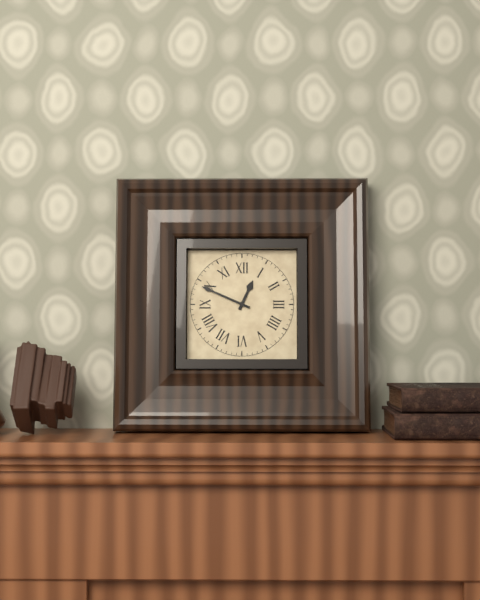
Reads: 12.49
